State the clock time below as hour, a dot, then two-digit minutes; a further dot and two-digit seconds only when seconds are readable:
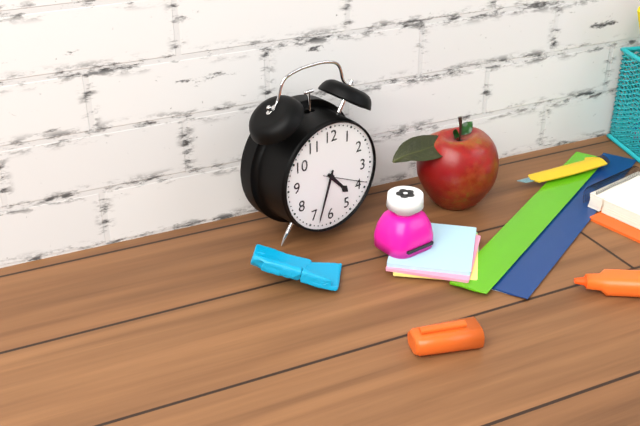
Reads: 4.33
